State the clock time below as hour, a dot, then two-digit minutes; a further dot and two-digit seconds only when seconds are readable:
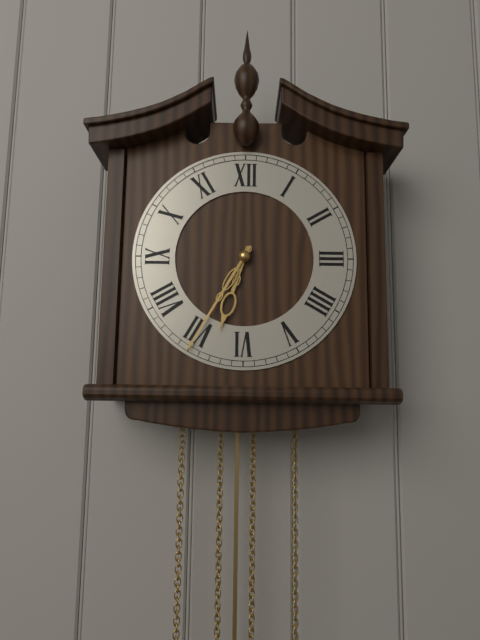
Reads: 6.35
